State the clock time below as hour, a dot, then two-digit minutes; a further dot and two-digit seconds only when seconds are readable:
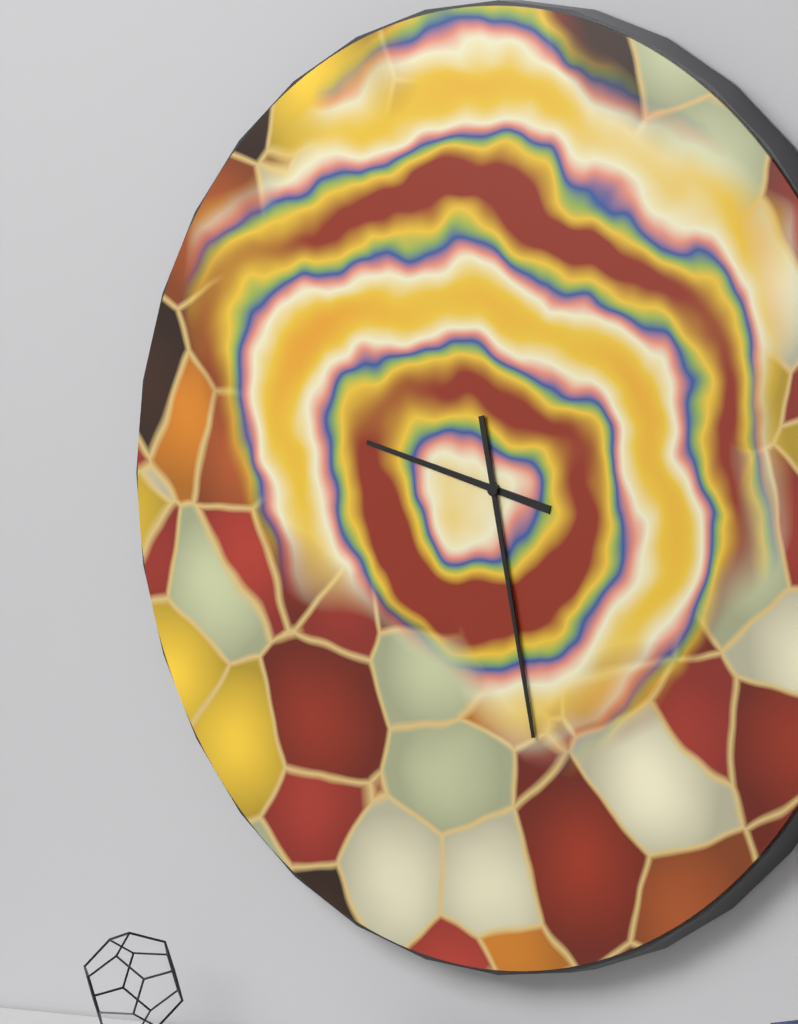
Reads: 9.28
